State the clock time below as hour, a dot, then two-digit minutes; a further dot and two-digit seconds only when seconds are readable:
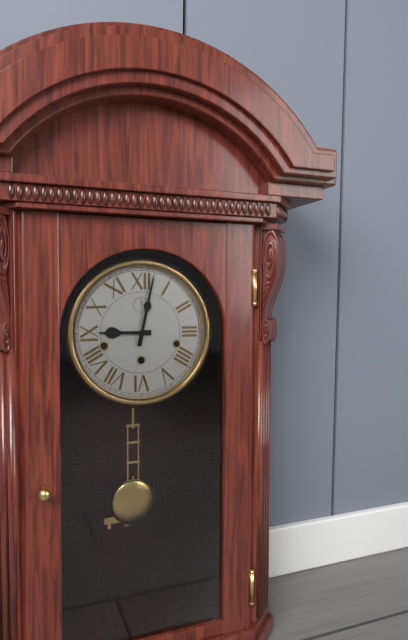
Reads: 9.02
